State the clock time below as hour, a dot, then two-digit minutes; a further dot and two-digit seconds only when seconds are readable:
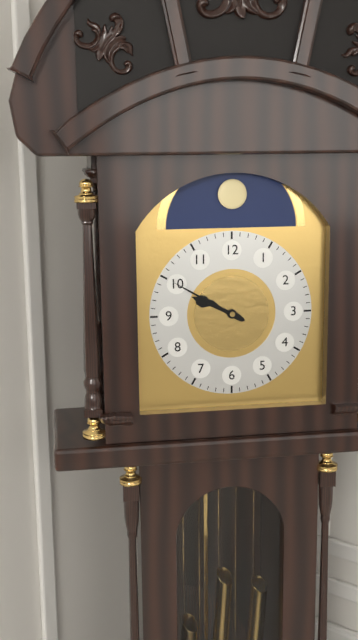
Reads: 9.50
